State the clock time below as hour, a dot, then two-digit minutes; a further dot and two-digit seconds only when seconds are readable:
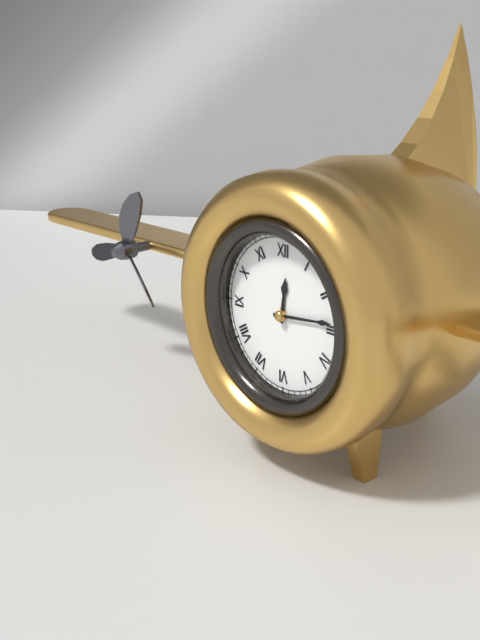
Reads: 12.14
